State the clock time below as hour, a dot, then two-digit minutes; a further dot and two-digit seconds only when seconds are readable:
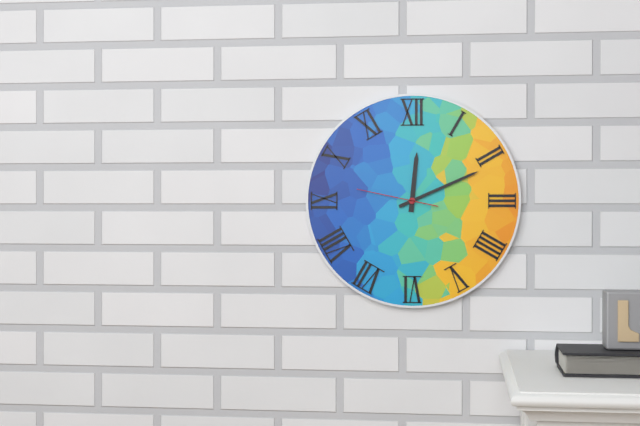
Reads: 12.11.47
